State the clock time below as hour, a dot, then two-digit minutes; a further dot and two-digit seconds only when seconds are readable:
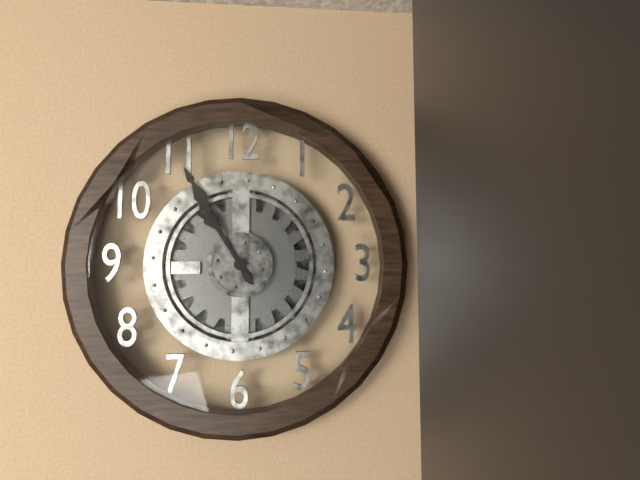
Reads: 10.55
